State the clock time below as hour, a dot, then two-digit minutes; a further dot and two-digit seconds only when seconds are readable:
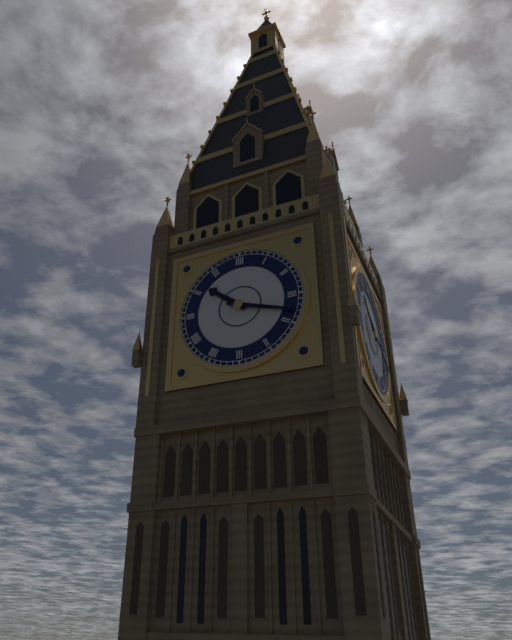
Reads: 10.18
